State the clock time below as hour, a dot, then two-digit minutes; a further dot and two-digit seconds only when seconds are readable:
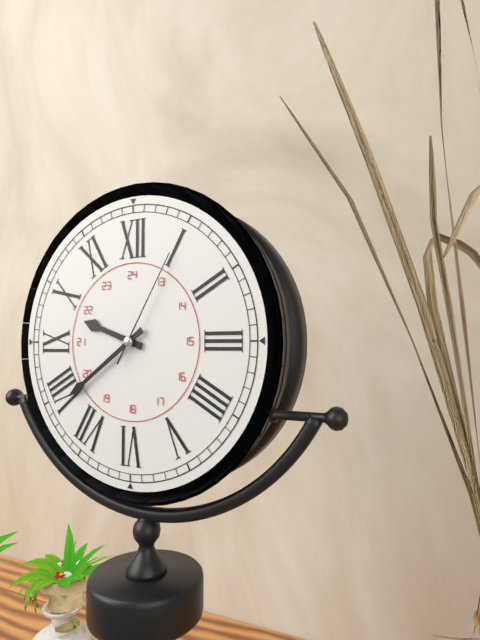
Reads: 9.39.05
